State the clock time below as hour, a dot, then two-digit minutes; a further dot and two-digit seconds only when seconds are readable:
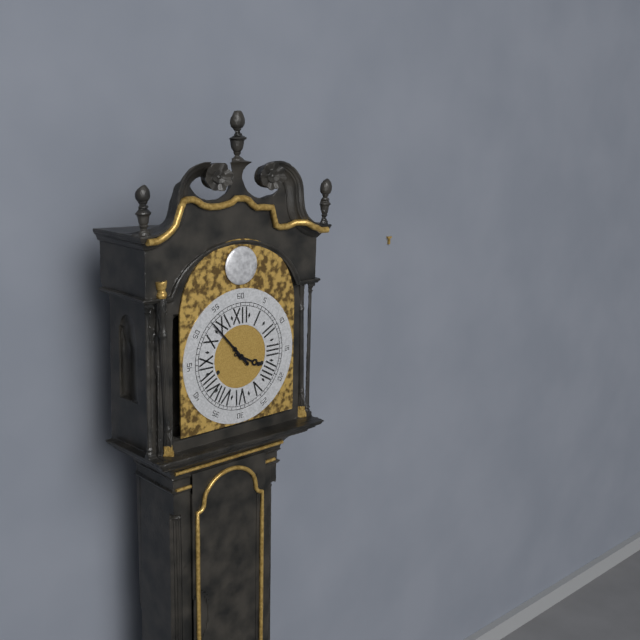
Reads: 3.53
